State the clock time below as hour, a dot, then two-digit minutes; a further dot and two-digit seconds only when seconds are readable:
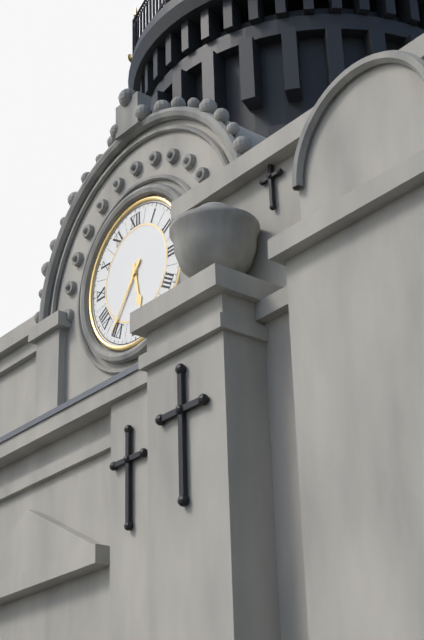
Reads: 5.36
